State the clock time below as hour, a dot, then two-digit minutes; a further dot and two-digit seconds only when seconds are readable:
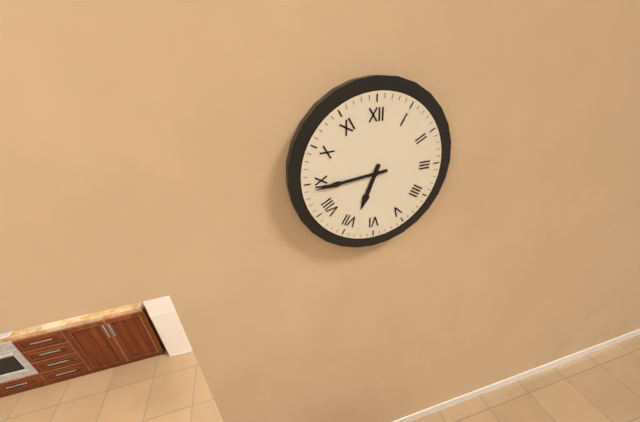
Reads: 6.44
